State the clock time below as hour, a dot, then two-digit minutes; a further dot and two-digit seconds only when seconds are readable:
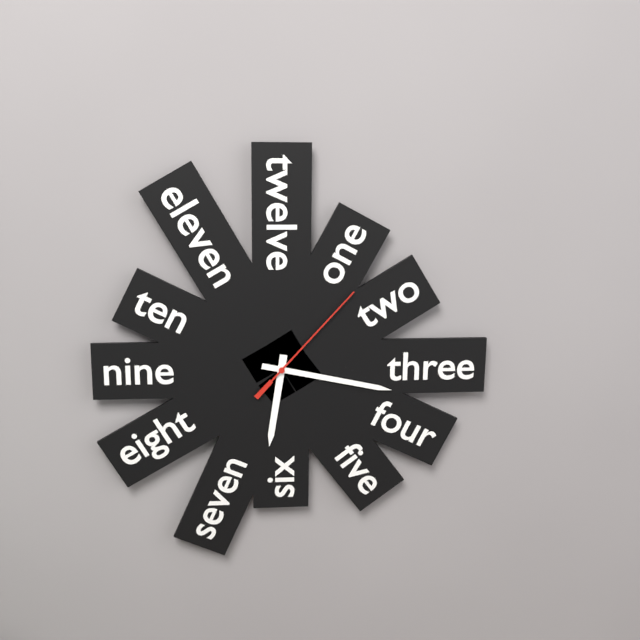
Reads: 6.17.07
